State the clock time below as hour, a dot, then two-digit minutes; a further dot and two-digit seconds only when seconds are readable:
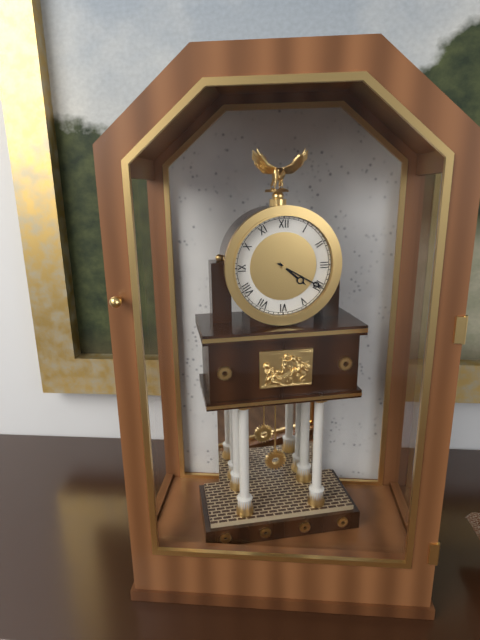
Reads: 4.20
